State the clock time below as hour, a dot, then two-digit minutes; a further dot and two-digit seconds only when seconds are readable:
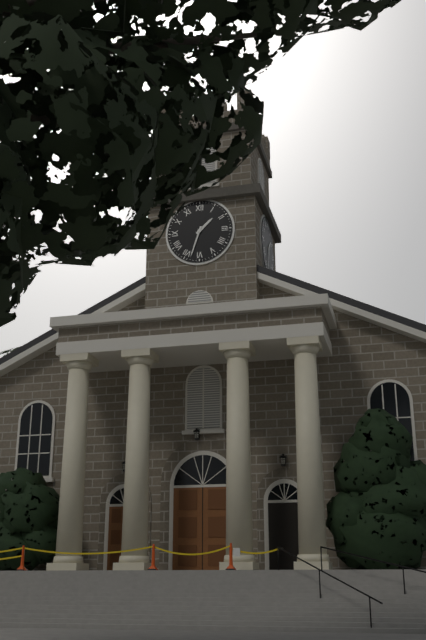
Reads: 1.33
